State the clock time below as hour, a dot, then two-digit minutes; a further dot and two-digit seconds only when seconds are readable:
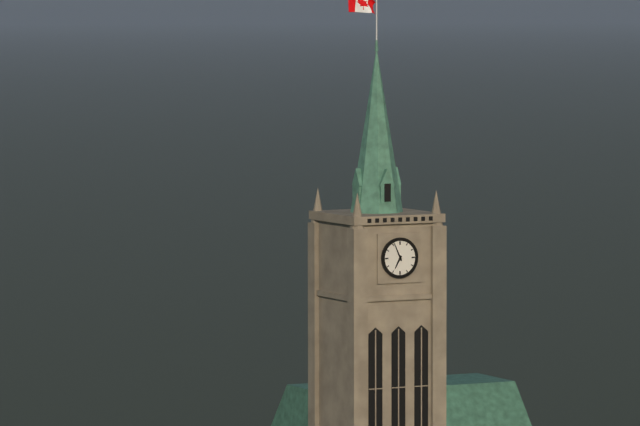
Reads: 6.56
